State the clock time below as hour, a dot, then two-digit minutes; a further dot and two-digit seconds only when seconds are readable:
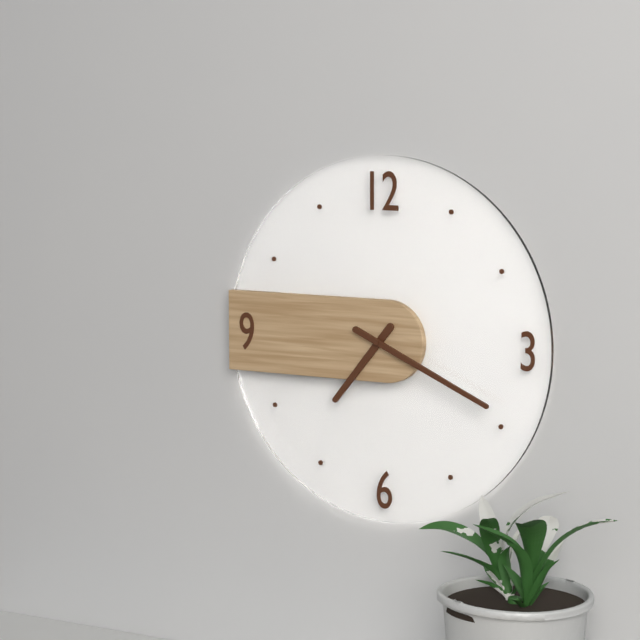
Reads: 7.19
